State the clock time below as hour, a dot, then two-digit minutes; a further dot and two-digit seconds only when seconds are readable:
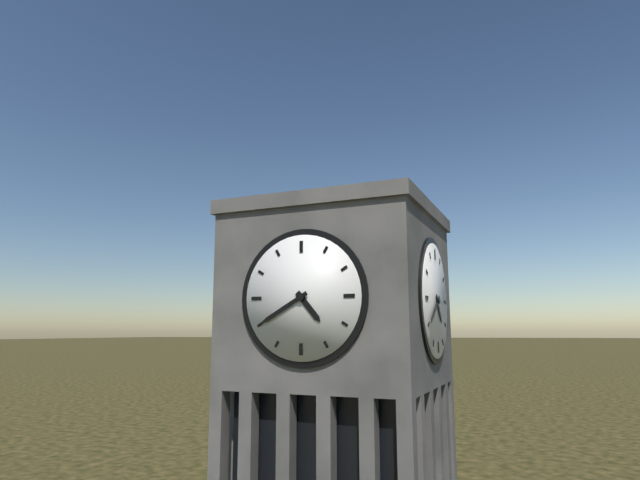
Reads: 4.40
